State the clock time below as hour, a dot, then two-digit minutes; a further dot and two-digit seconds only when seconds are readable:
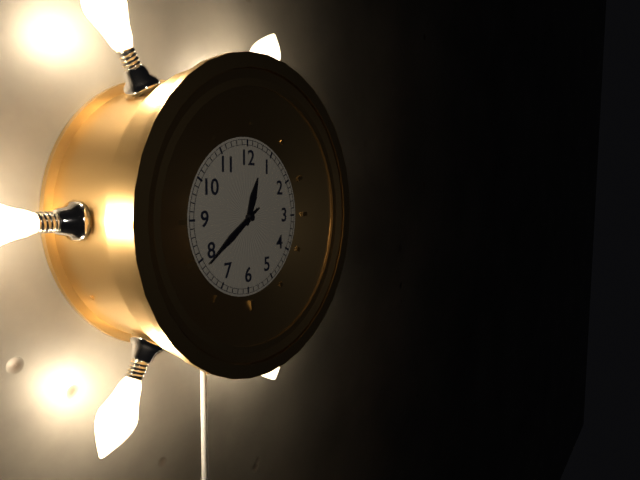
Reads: 12.39.39
